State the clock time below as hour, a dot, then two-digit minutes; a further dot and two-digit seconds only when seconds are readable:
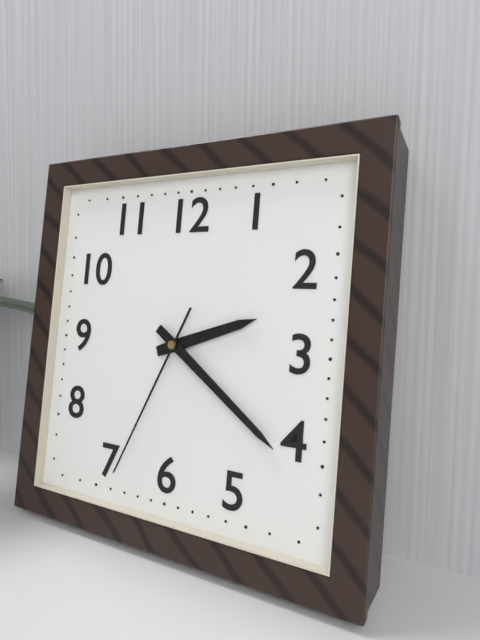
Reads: 2.21.34
